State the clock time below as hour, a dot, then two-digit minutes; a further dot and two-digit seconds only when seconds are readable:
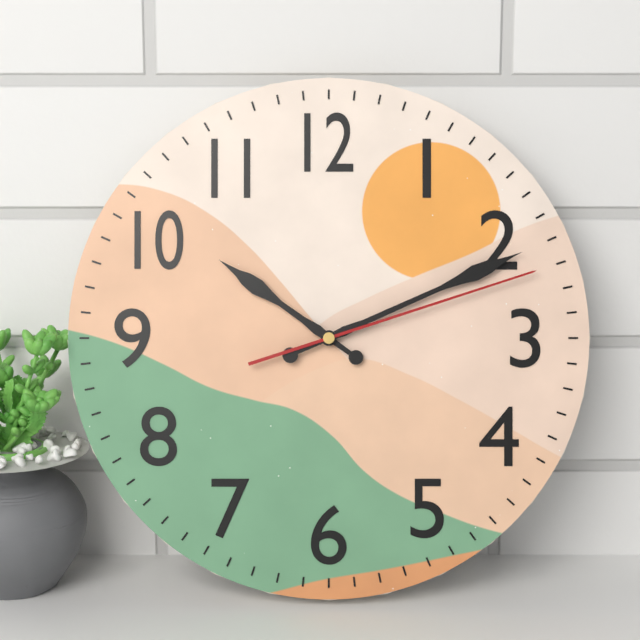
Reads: 10.11.12
